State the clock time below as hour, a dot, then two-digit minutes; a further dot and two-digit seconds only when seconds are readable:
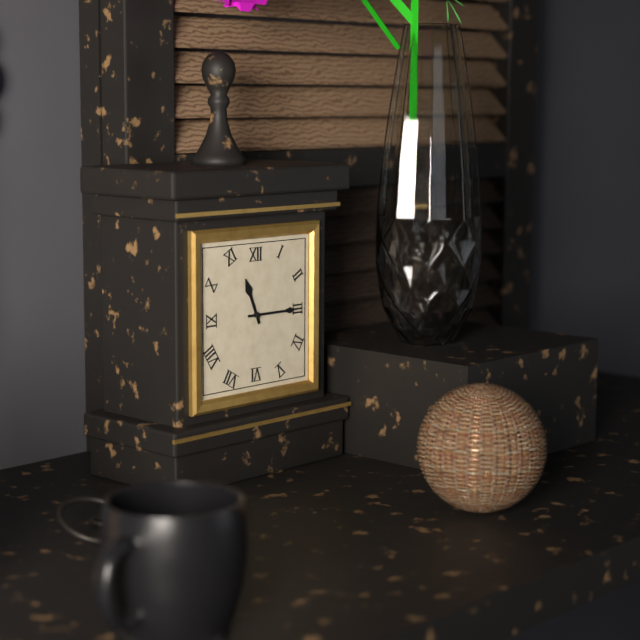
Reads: 11.15
